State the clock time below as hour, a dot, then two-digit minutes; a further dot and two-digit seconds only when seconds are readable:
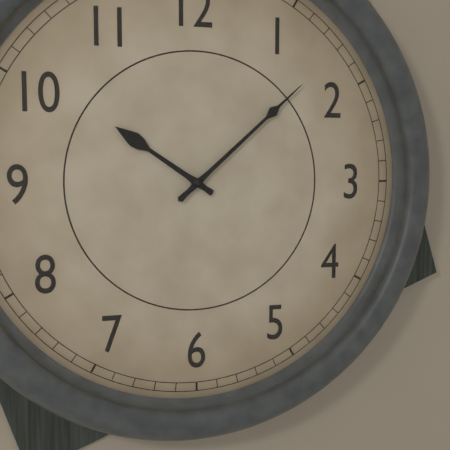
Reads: 10.08
